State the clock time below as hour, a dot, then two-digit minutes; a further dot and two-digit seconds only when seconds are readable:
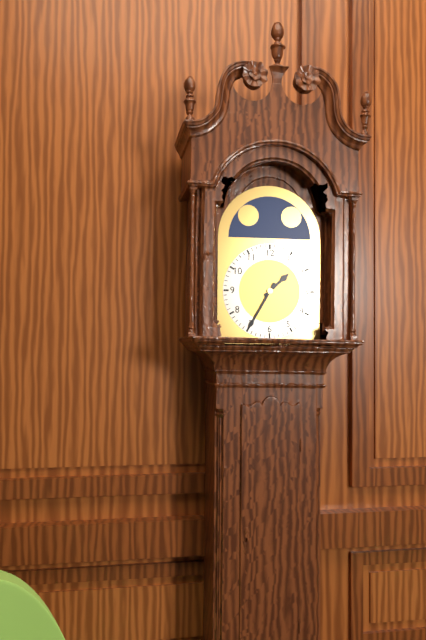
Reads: 1.35
